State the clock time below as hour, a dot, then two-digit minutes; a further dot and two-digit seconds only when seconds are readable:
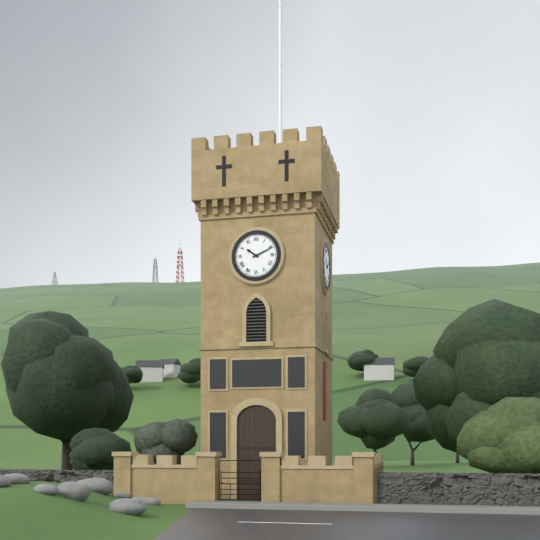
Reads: 10.11
